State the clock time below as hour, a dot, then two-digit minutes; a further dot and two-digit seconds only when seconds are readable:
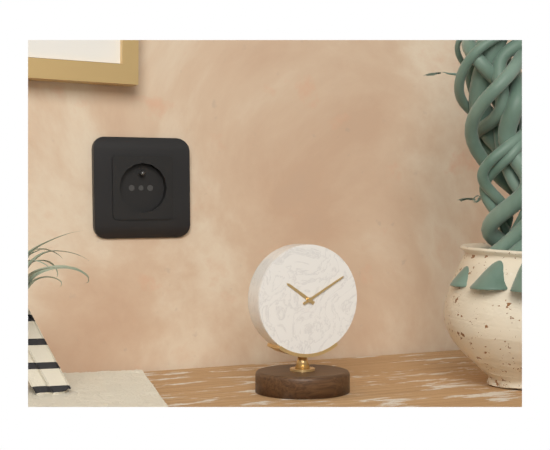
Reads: 10.10
